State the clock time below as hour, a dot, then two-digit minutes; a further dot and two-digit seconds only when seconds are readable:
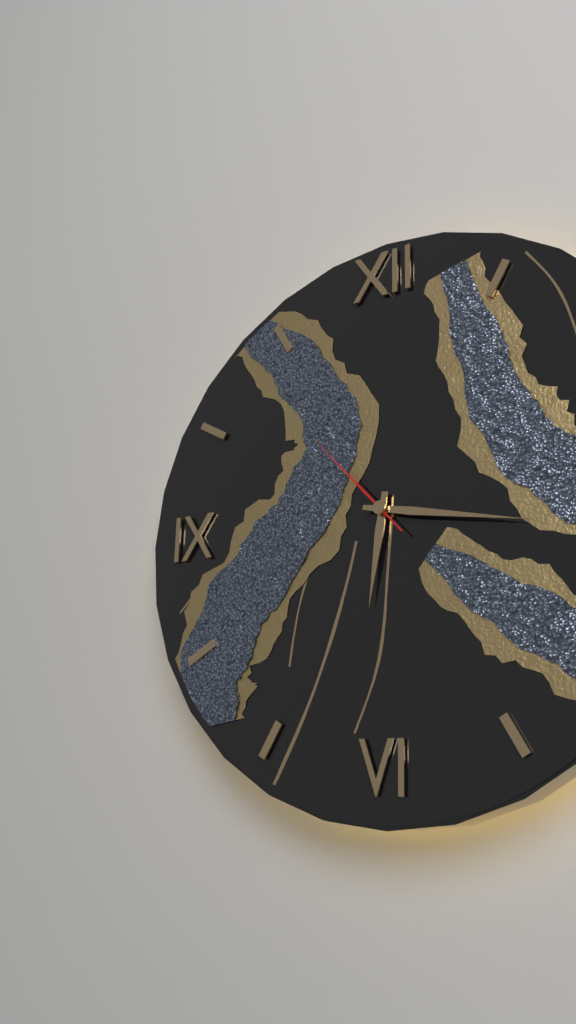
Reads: 6.17.53
